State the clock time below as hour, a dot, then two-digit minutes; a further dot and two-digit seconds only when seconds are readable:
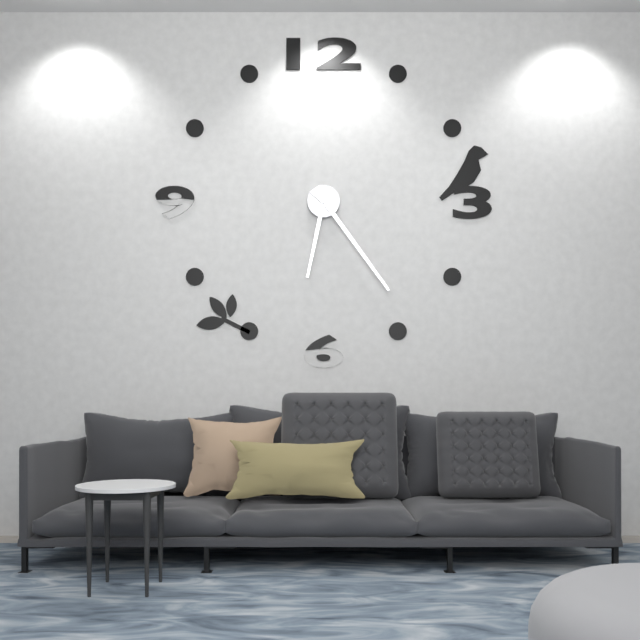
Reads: 6.24
